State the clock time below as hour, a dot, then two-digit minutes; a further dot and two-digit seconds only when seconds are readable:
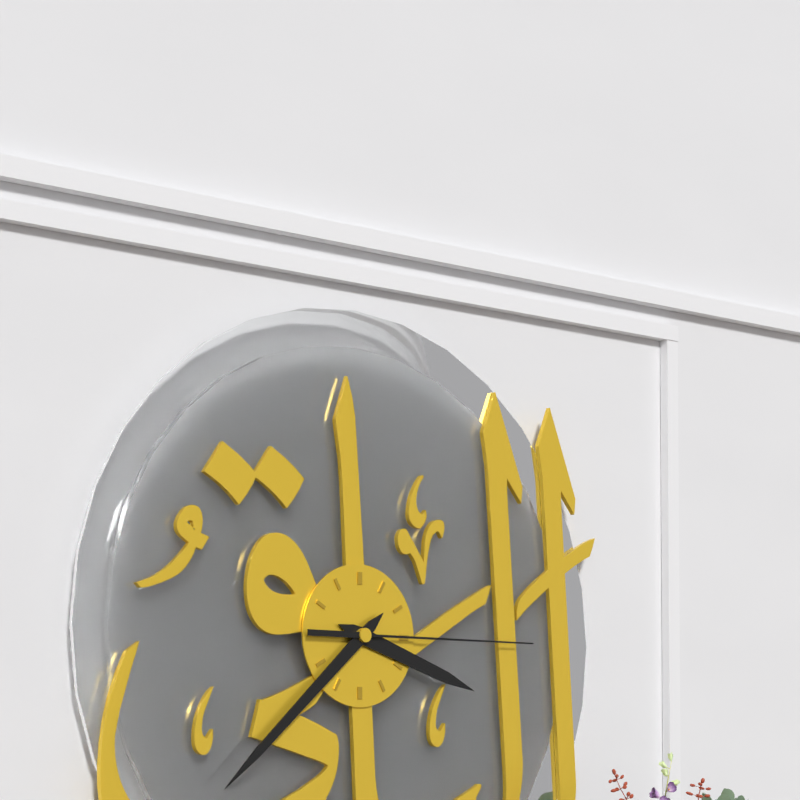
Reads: 3.38.15
